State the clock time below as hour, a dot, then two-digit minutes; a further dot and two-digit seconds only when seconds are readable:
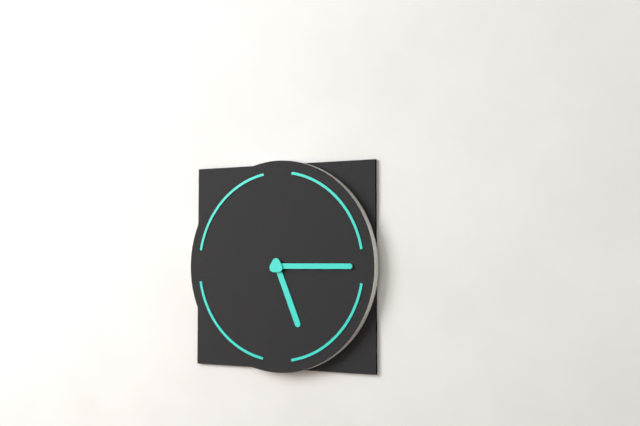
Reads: 5.15
